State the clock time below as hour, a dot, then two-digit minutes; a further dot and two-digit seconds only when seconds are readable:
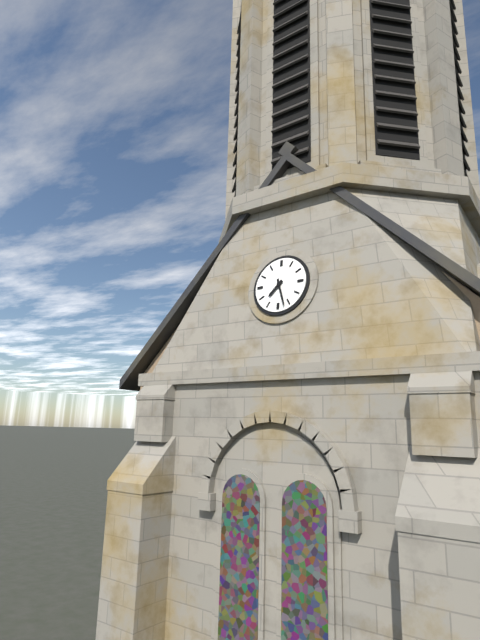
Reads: 7.27
